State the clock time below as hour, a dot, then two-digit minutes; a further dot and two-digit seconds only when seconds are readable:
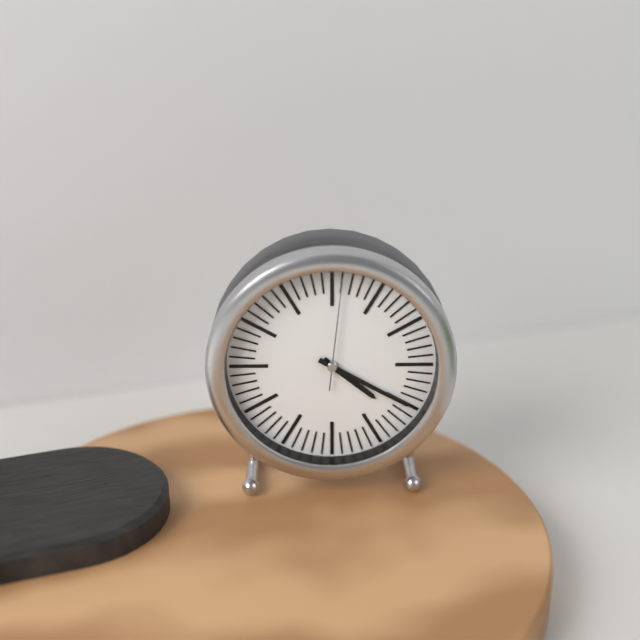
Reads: 4.20.01
